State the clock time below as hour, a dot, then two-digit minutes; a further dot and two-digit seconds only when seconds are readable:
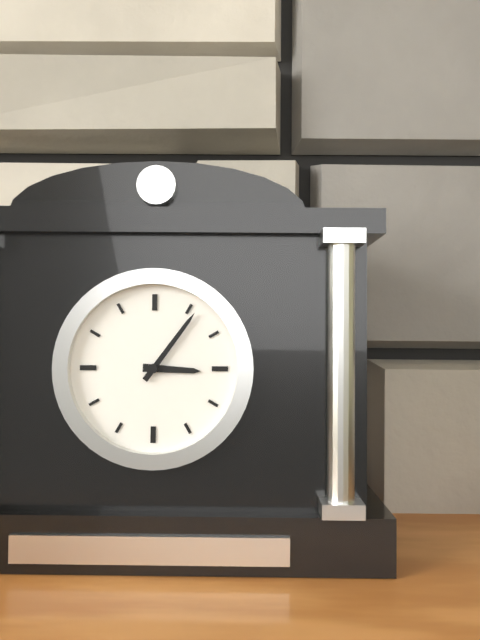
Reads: 3.06
